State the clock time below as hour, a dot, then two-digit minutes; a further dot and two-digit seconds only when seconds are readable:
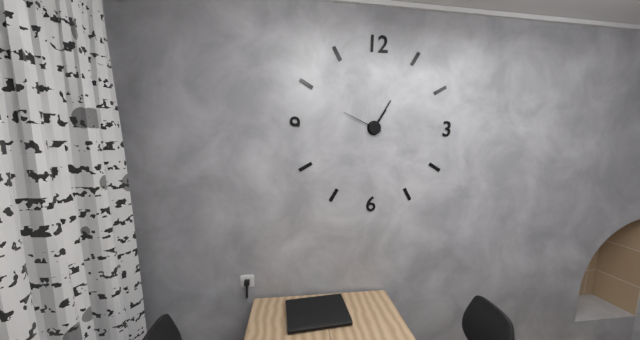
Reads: 1.05
